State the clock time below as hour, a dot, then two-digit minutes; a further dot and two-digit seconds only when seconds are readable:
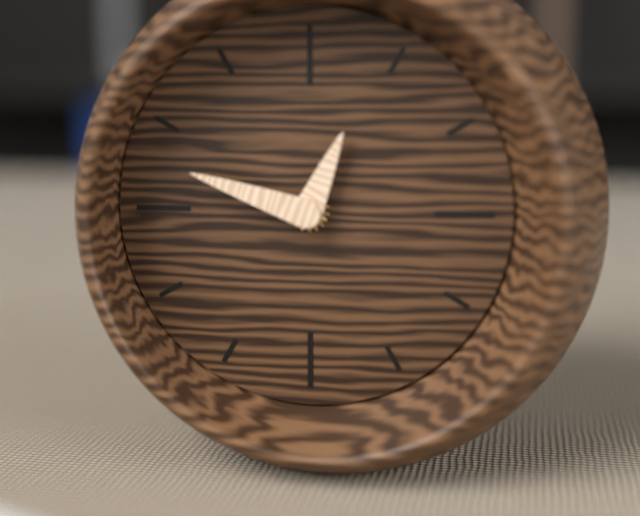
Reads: 12.48
